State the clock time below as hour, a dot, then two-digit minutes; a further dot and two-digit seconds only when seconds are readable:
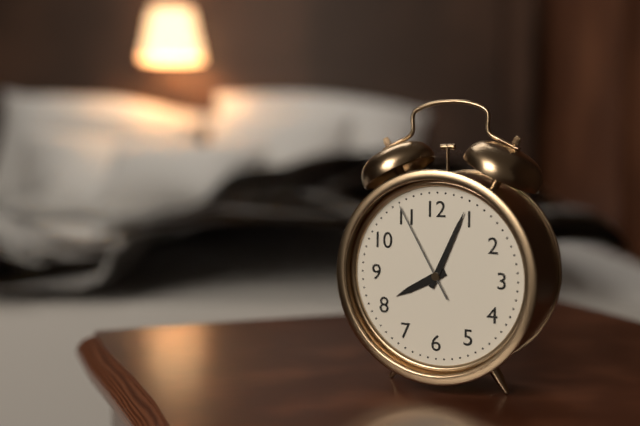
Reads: 8.04.55
